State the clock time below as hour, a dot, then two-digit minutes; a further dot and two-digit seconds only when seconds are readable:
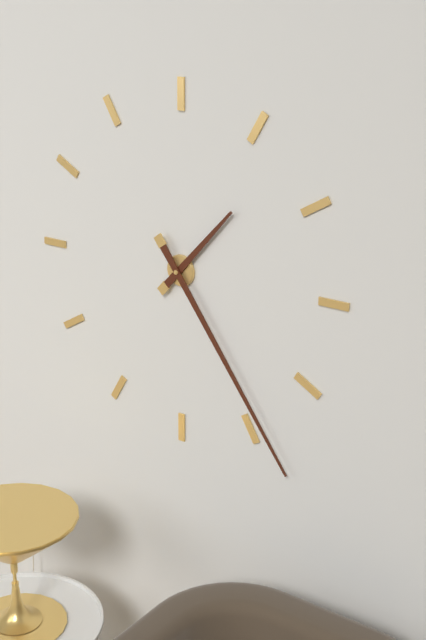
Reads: 1.24
